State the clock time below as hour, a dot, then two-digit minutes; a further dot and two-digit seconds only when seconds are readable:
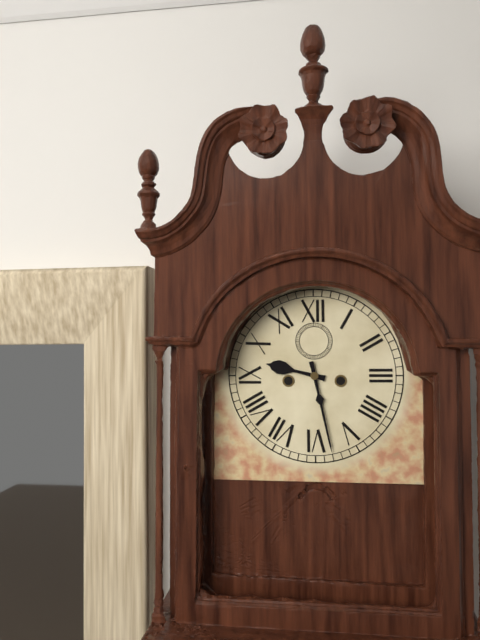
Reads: 9.28
